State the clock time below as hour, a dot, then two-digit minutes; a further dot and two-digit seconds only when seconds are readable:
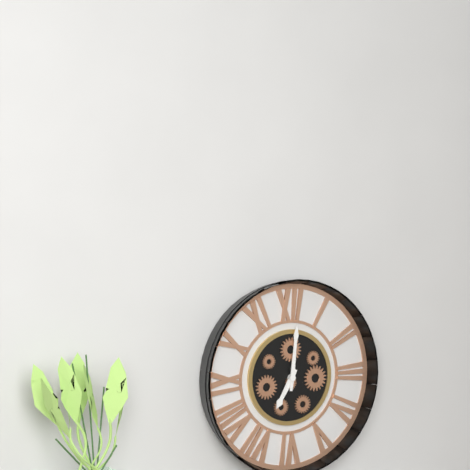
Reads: 7.01
